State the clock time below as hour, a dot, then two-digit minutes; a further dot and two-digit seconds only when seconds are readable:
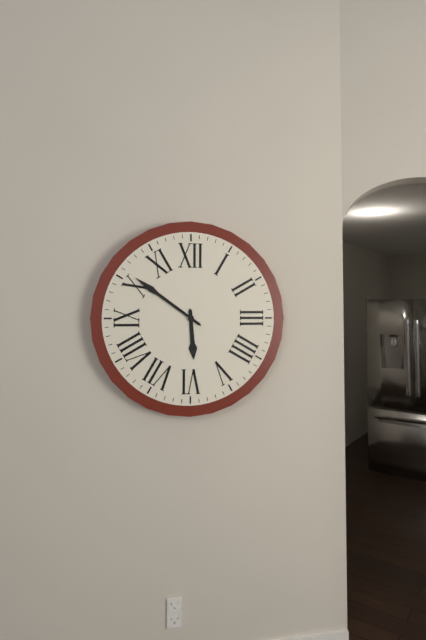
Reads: 5.51
